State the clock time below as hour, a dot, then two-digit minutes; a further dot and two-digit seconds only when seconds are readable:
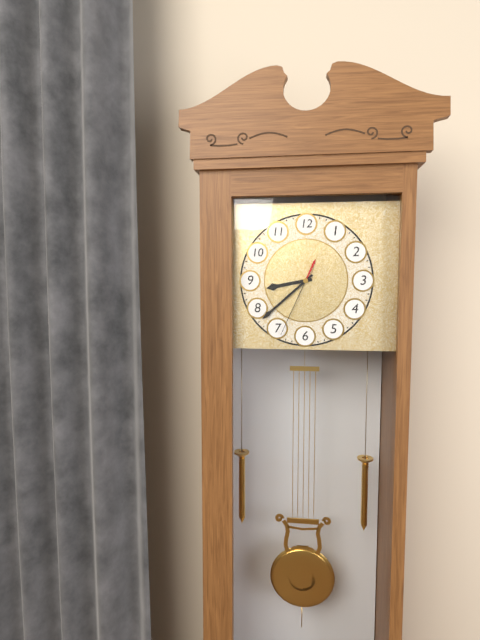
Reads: 8.38.34
